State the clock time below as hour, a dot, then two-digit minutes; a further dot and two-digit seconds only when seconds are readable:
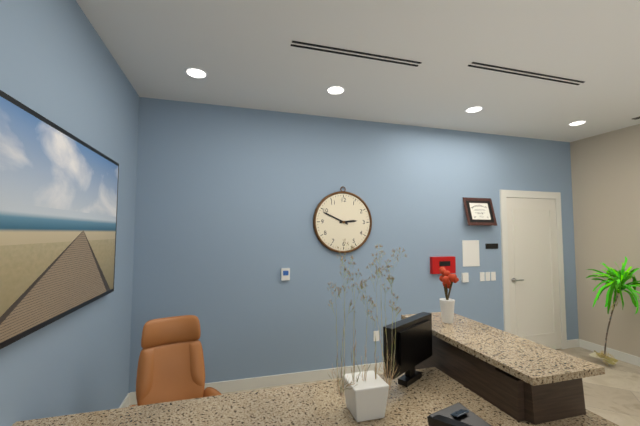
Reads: 2.49
